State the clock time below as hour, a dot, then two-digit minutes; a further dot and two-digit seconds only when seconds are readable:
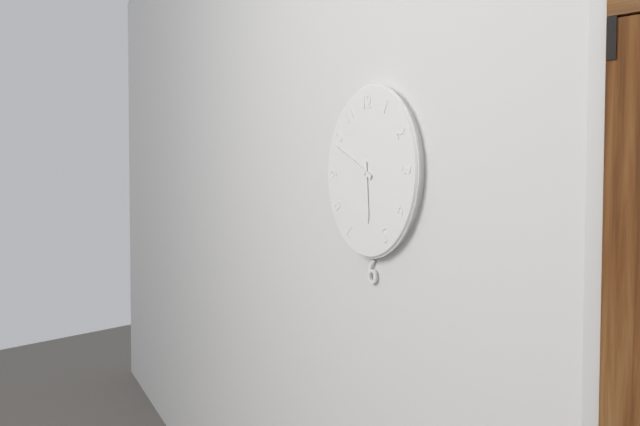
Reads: 5.49
